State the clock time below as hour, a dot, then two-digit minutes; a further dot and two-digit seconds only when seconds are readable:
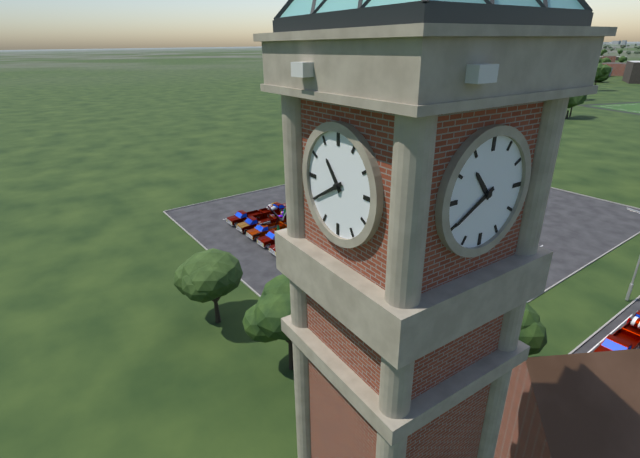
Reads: 10.40
